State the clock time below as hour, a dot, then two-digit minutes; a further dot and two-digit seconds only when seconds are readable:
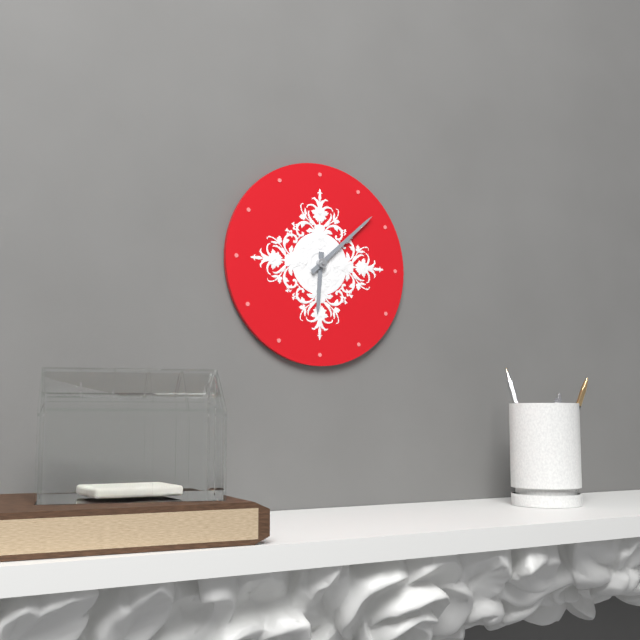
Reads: 6.08
